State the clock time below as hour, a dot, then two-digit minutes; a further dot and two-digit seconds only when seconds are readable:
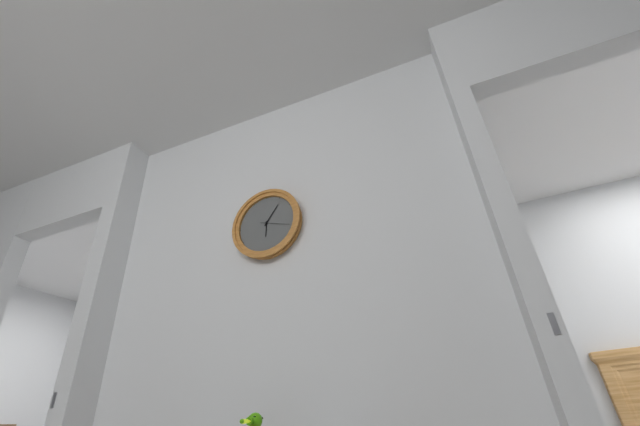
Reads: 6.06
